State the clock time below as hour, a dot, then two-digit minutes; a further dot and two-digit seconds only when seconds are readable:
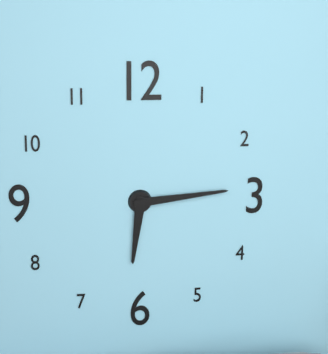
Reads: 6.14
